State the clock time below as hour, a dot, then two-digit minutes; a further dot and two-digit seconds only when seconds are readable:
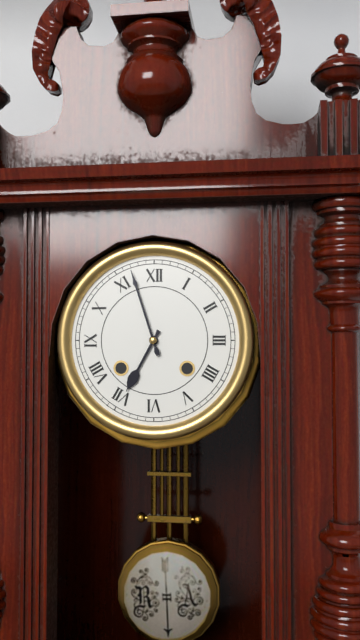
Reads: 6.57
